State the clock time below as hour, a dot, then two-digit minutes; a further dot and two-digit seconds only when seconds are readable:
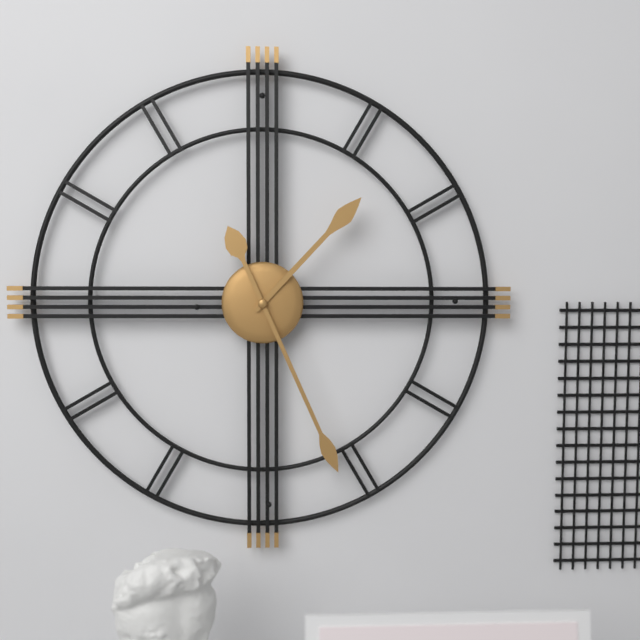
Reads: 1.26
